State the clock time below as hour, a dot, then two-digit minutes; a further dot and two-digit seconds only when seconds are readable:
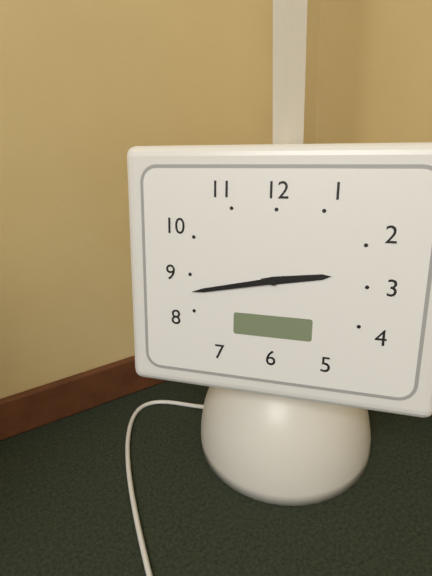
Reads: 2.43
